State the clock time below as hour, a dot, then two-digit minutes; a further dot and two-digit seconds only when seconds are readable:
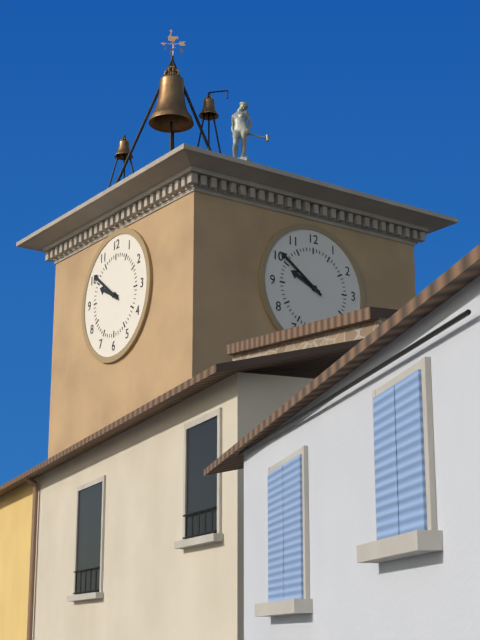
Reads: 9.51
